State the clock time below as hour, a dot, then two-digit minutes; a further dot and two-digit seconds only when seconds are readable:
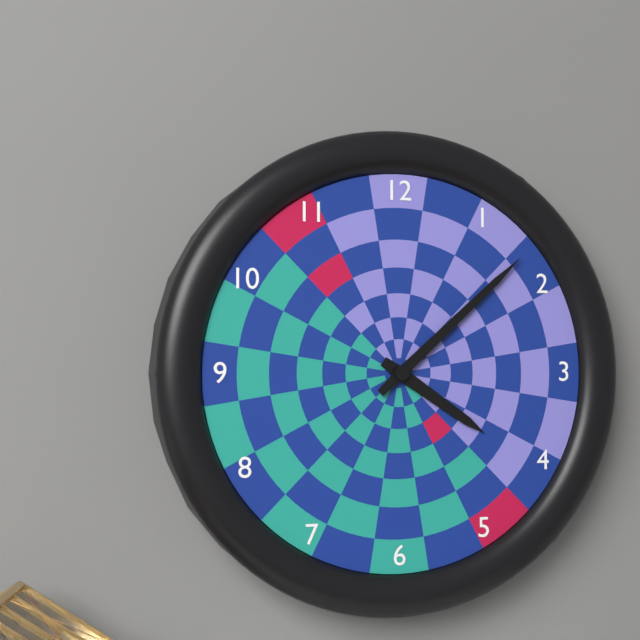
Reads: 4.08
